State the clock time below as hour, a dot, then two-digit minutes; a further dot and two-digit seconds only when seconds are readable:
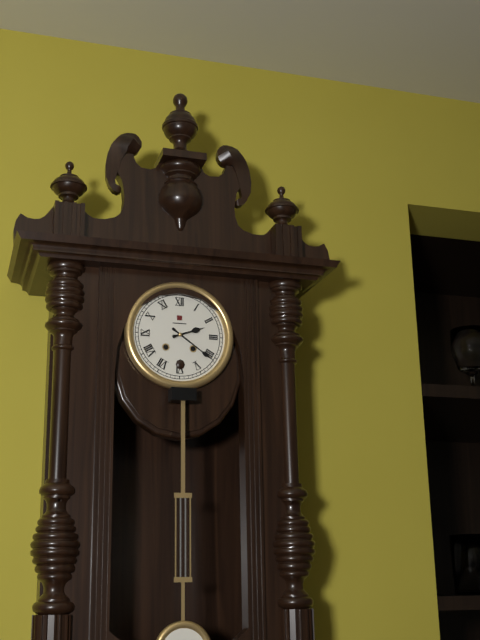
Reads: 2.21
